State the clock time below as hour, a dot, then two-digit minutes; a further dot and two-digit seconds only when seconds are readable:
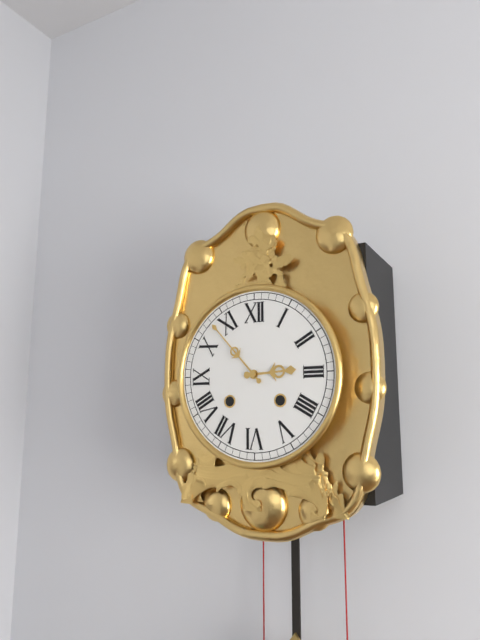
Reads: 2.53
